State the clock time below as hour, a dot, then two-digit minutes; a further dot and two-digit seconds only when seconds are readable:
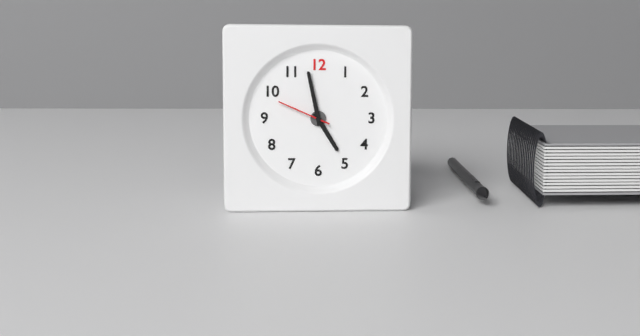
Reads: 4.58.49
